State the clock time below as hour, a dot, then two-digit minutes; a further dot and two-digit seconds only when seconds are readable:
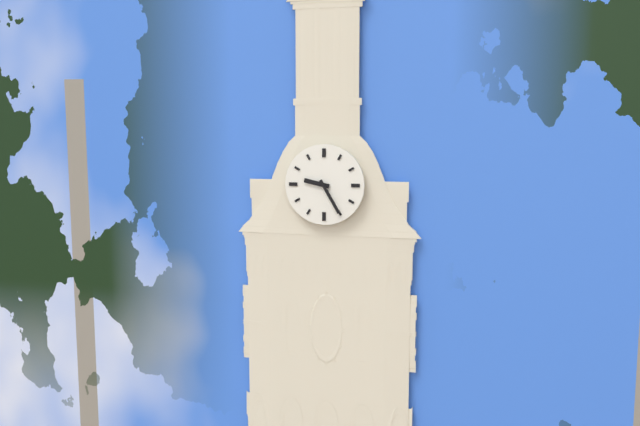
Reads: 9.25
